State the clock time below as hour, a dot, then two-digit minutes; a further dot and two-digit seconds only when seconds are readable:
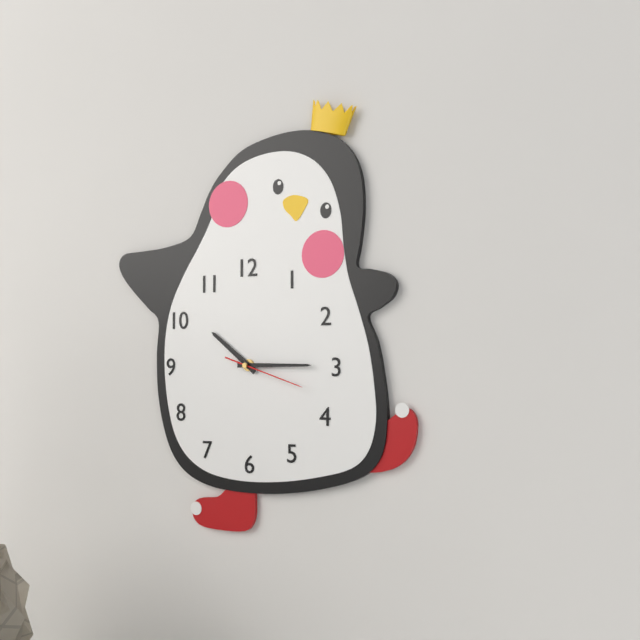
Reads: 10.15.18
